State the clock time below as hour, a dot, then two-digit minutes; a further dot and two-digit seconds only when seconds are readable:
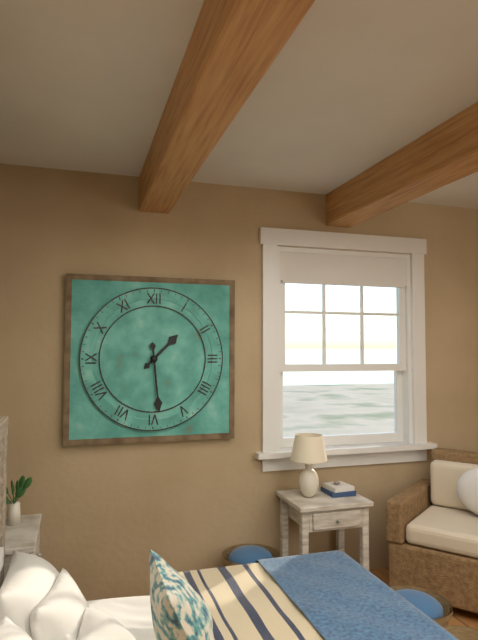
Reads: 1.29
